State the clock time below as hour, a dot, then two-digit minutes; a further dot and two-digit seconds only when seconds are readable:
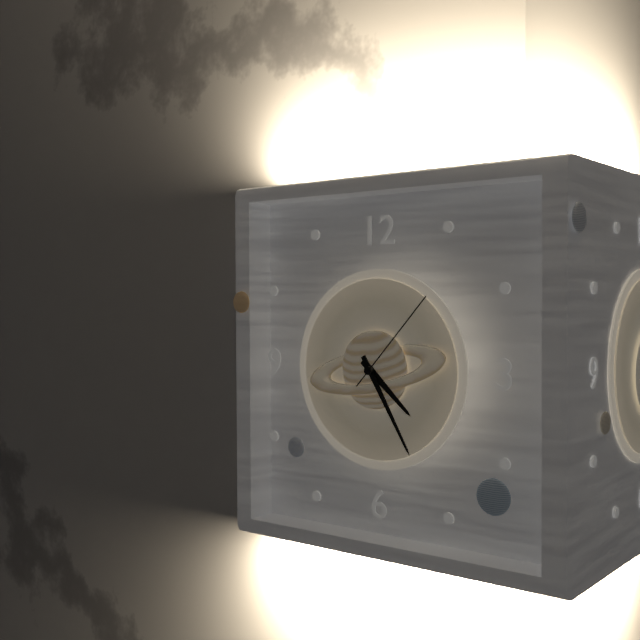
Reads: 4.25.07
